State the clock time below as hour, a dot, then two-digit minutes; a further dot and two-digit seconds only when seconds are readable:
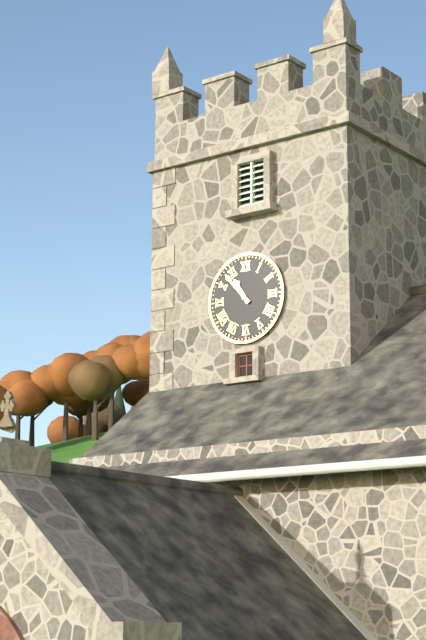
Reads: 10.53
